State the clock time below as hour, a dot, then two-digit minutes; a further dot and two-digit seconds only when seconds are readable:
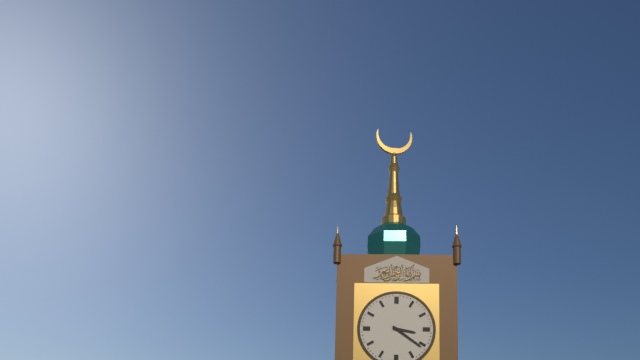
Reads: 3.21
